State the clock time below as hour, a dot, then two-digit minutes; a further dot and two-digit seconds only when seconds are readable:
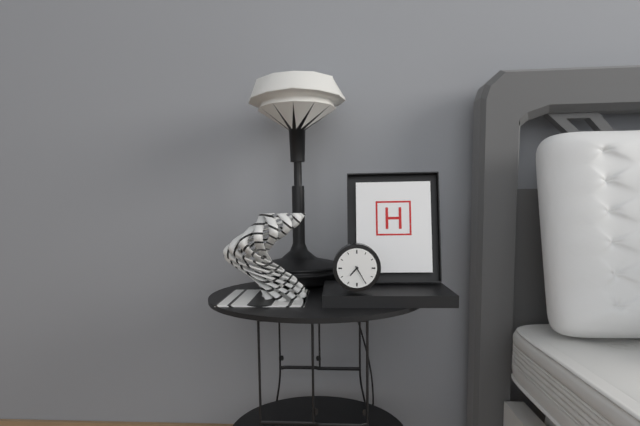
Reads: 7.25
